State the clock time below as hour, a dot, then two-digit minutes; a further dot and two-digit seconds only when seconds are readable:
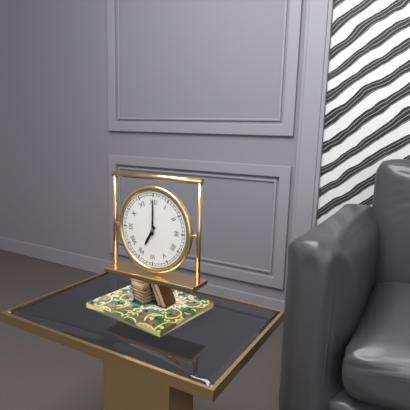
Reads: 7.00
